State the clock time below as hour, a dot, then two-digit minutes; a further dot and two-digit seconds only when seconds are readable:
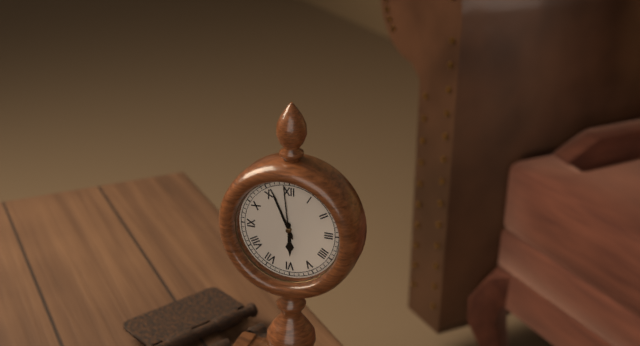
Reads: 5.56.59
